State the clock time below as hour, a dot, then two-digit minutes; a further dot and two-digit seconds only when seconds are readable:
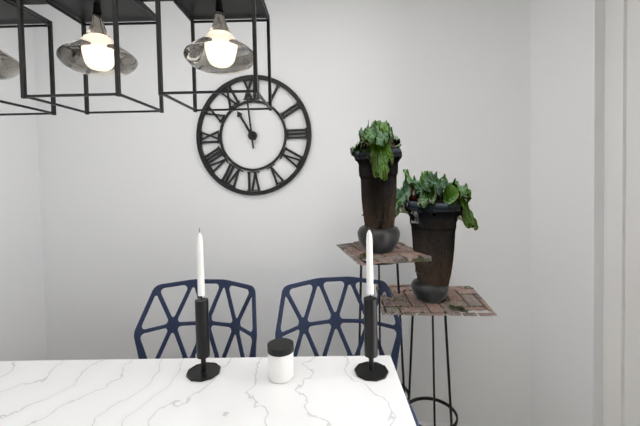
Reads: 10.59
